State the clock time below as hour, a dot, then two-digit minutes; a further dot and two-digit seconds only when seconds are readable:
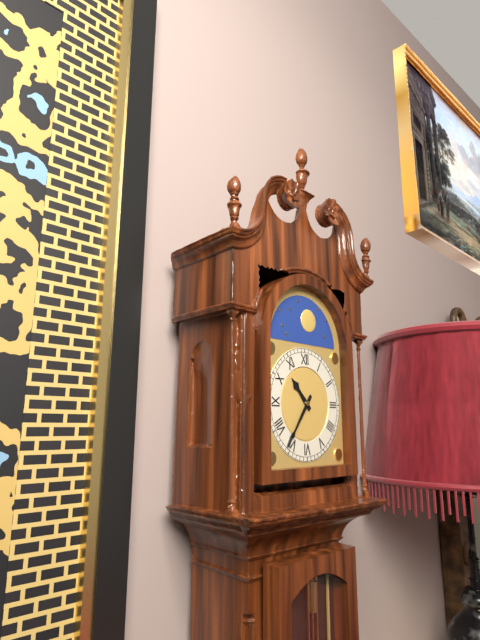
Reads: 10.36
